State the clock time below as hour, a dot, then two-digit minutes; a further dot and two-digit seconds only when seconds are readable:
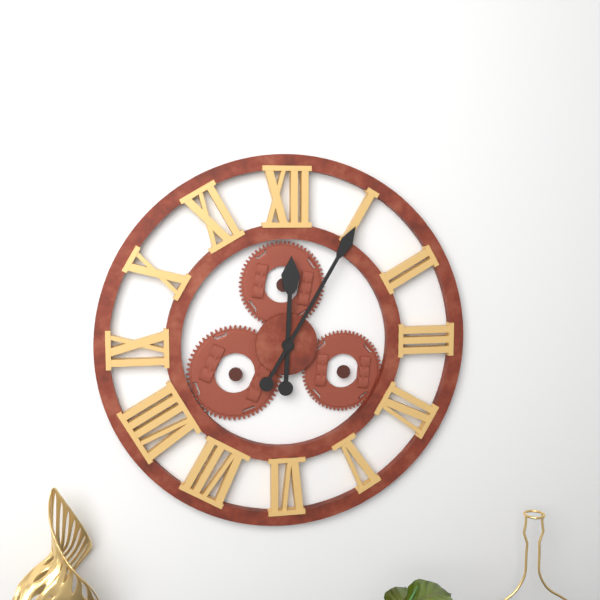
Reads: 12.05
